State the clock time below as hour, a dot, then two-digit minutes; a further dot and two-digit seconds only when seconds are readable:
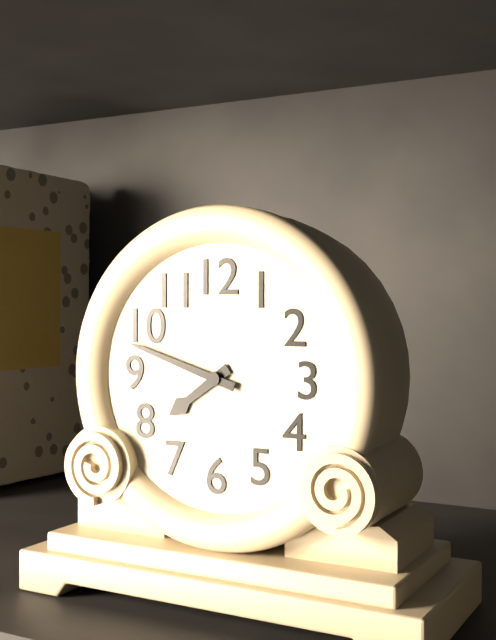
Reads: 7.48
